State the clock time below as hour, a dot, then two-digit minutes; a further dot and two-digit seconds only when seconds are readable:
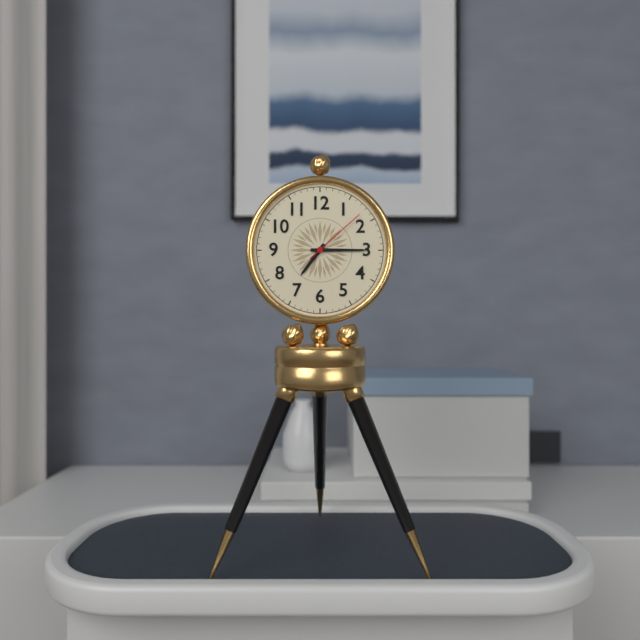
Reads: 7.15.08
